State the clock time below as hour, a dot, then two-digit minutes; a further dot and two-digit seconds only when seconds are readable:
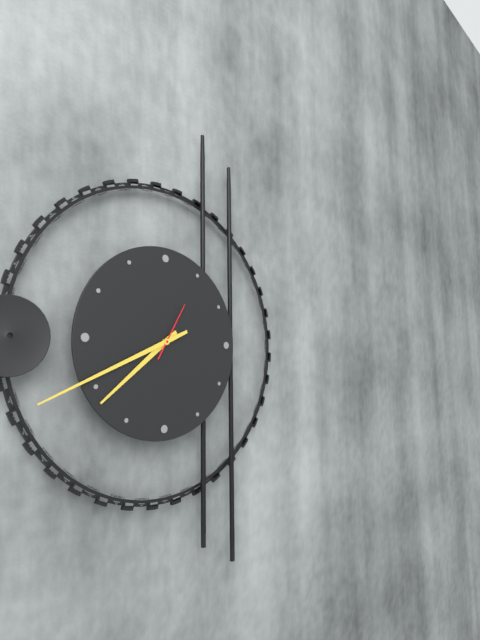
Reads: 7.41.05
